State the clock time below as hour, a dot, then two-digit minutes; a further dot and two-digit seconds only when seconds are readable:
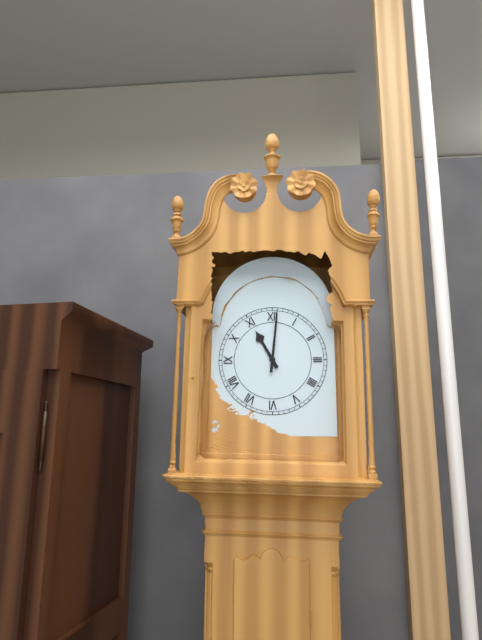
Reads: 11.01
